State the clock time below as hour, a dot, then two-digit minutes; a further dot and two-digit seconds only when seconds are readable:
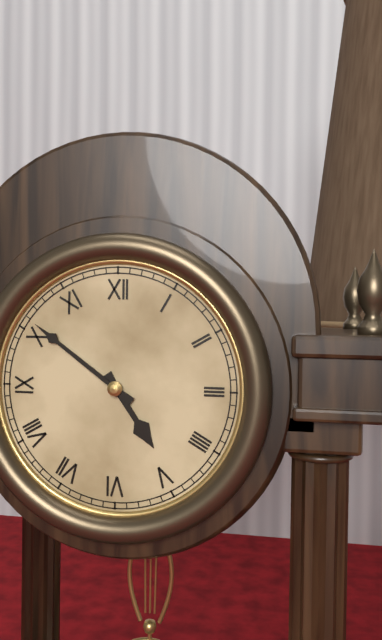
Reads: 4.51
